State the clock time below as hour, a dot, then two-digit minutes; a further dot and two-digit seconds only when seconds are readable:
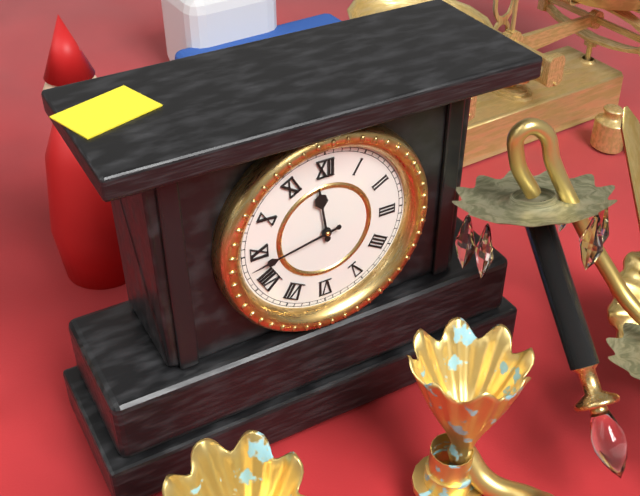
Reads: 11.43
